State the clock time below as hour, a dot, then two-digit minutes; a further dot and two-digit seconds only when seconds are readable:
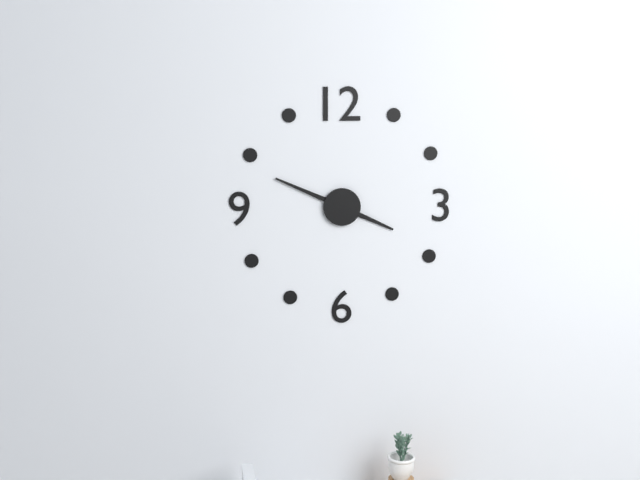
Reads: 3.49
